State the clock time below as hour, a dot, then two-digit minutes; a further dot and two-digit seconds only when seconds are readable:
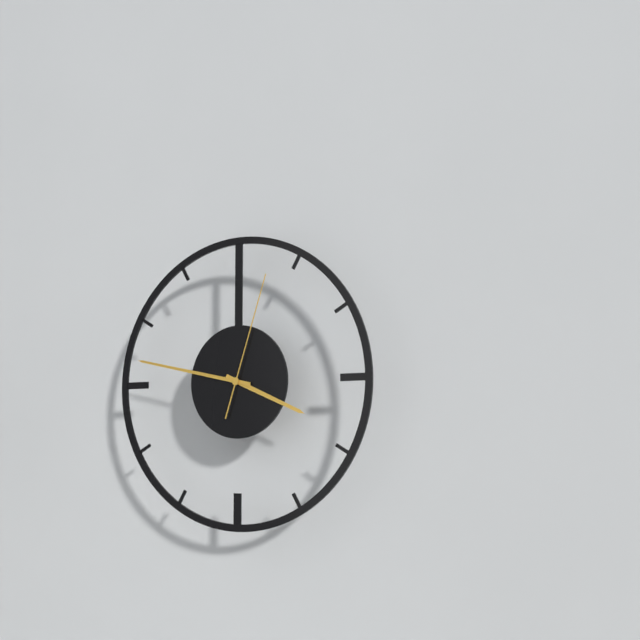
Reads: 3.47.03
